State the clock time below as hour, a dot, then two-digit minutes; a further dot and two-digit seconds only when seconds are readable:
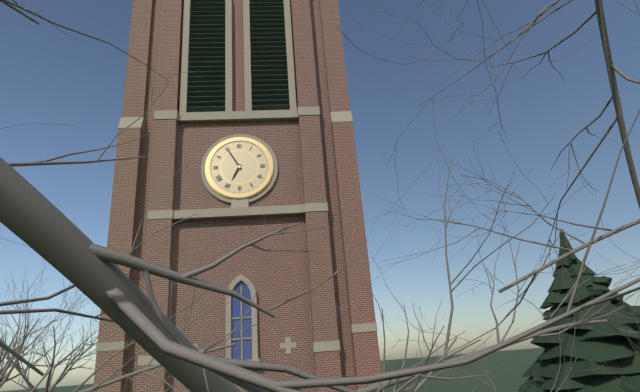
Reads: 6.55
